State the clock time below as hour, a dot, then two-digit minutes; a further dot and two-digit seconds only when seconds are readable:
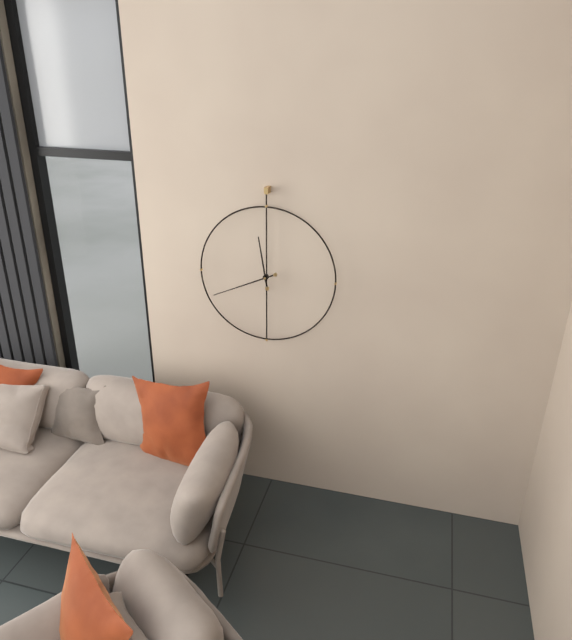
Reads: 11.41
